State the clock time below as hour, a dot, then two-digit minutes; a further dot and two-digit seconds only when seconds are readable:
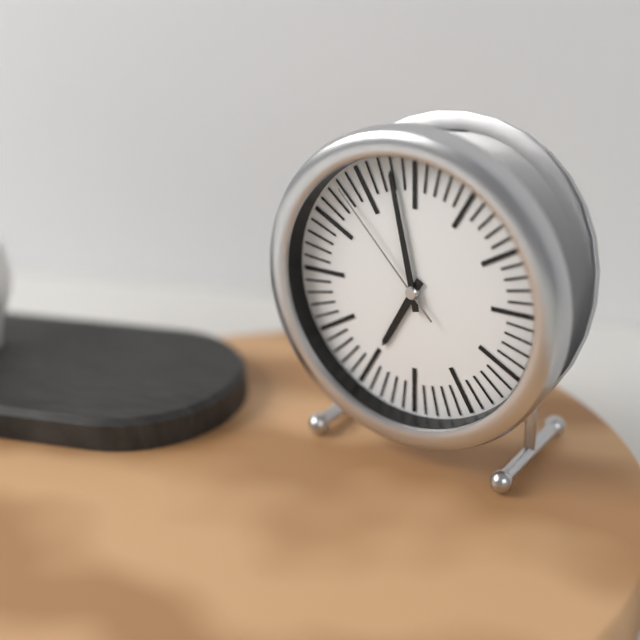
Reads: 6.58.53
